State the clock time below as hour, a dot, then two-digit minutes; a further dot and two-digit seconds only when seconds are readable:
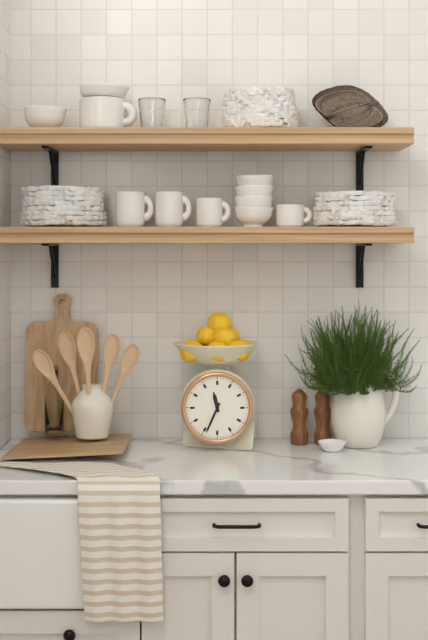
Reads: 11.34
